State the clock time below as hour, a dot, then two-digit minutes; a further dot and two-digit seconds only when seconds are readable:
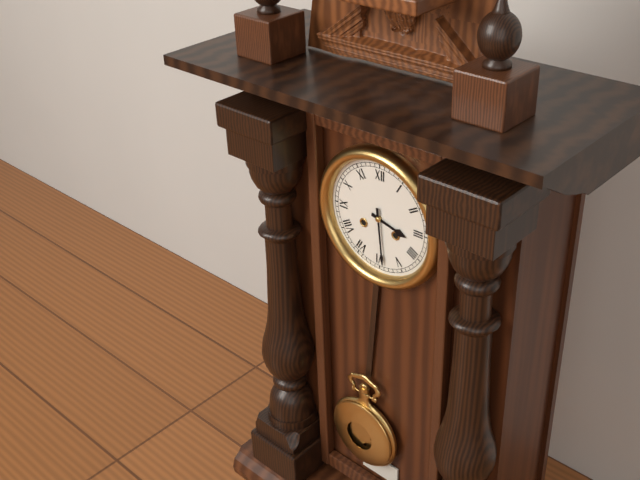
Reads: 3.29
